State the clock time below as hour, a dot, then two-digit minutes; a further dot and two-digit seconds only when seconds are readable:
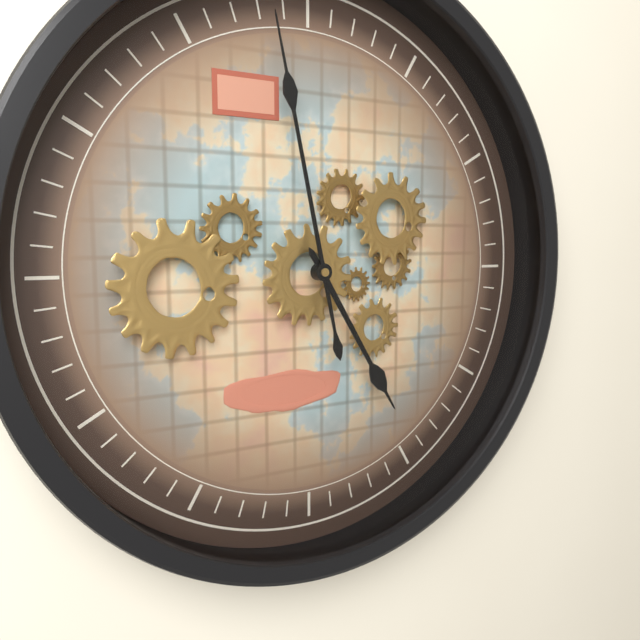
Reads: 4.58
